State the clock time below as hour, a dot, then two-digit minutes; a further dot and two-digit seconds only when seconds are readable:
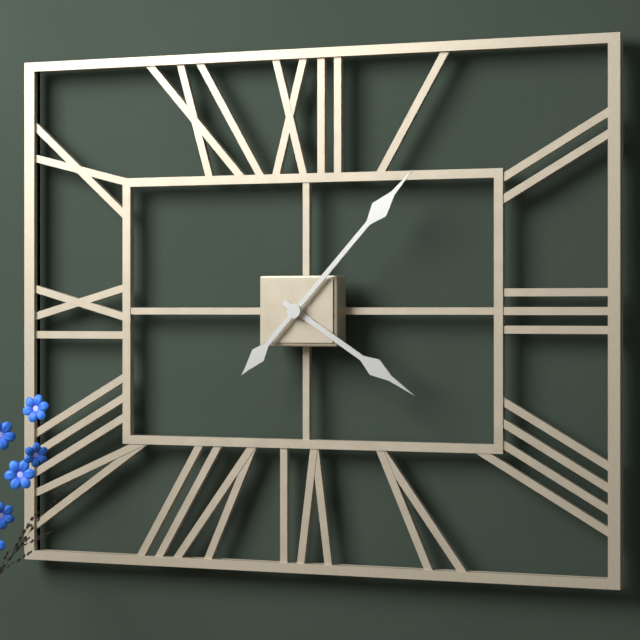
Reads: 4.07
